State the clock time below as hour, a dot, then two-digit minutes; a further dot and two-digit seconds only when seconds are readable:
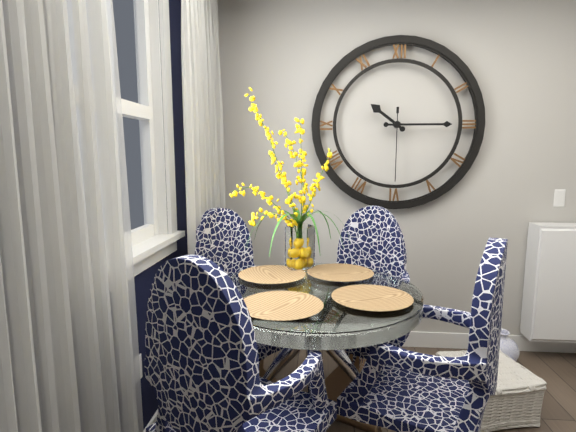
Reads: 10.15.30
